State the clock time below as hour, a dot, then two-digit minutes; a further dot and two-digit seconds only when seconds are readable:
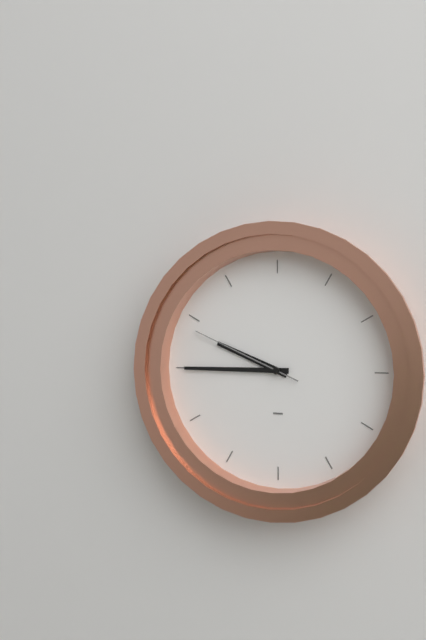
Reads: 9.45.49
